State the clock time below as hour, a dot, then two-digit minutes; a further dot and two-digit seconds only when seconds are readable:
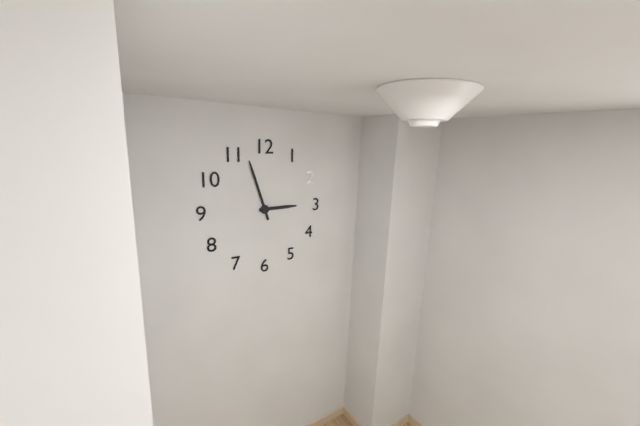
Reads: 2.57
